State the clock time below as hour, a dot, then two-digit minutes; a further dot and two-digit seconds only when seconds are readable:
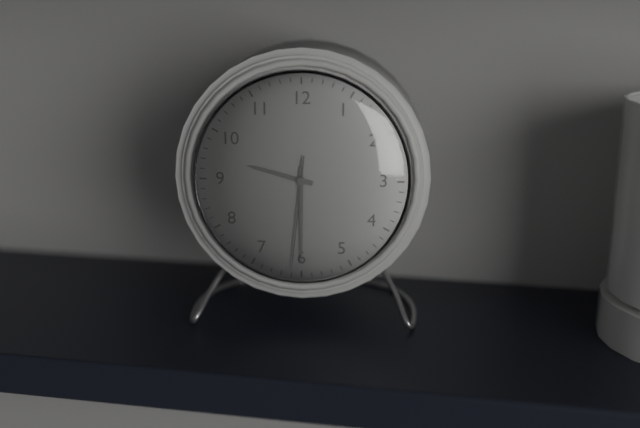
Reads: 9.30.31
